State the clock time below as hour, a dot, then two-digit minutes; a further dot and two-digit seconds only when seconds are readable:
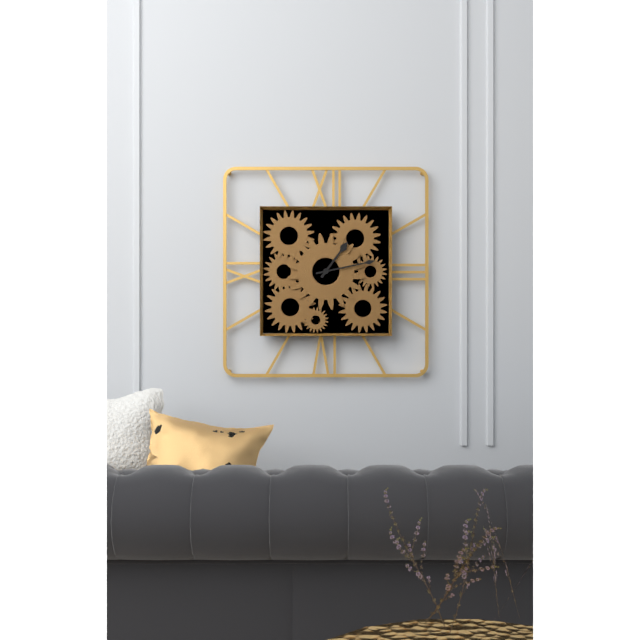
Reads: 1.13
